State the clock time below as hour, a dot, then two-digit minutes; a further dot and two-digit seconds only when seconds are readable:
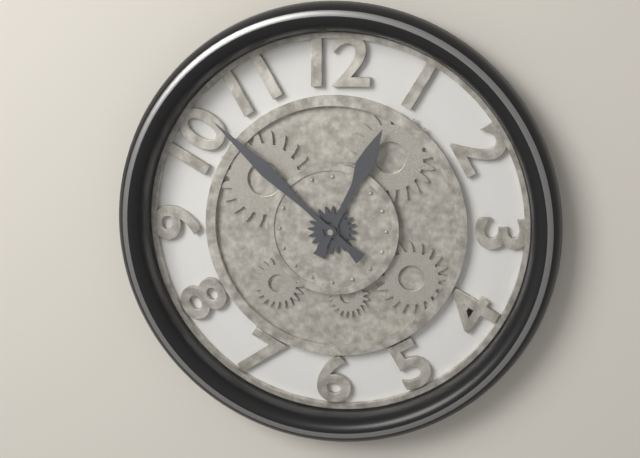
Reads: 12.52
